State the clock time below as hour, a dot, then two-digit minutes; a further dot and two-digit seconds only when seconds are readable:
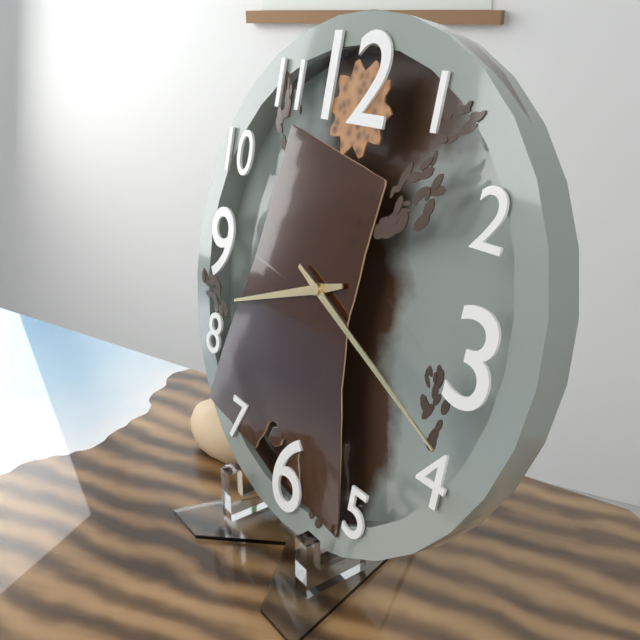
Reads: 8.19
